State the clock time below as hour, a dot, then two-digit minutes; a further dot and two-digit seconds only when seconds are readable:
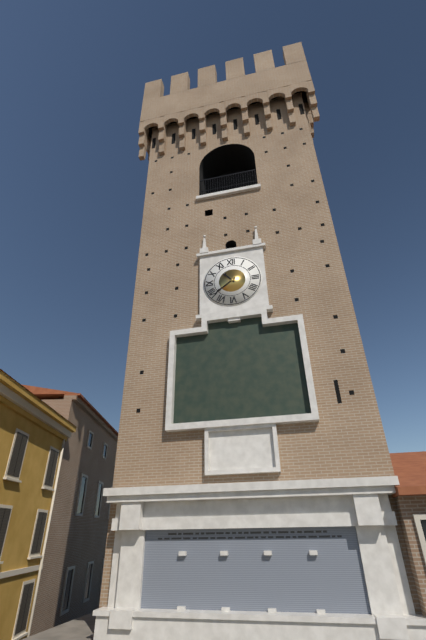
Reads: 10.39
